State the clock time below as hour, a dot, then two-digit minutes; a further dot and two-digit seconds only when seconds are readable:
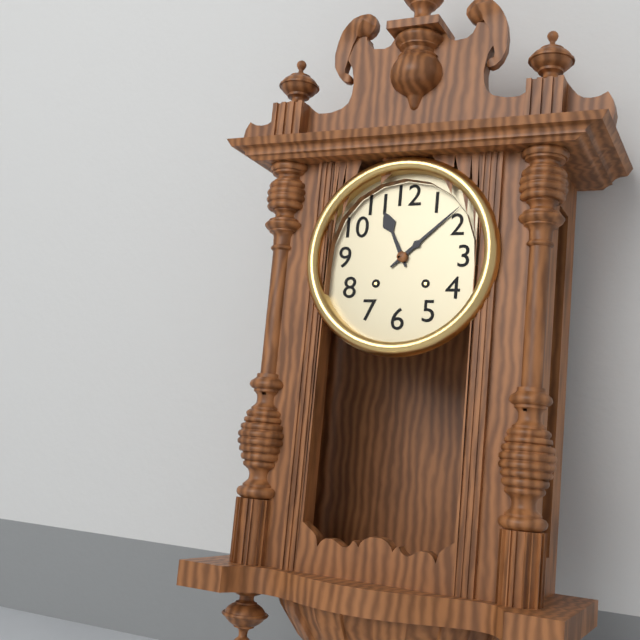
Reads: 11.08
